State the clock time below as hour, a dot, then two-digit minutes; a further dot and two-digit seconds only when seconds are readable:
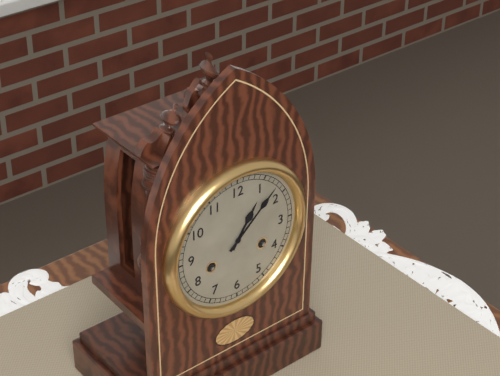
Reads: 1.08
